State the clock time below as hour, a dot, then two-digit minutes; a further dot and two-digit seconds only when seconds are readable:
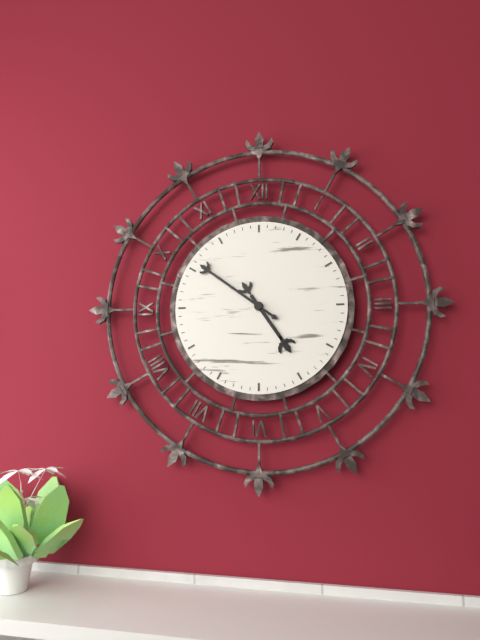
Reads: 4.51
